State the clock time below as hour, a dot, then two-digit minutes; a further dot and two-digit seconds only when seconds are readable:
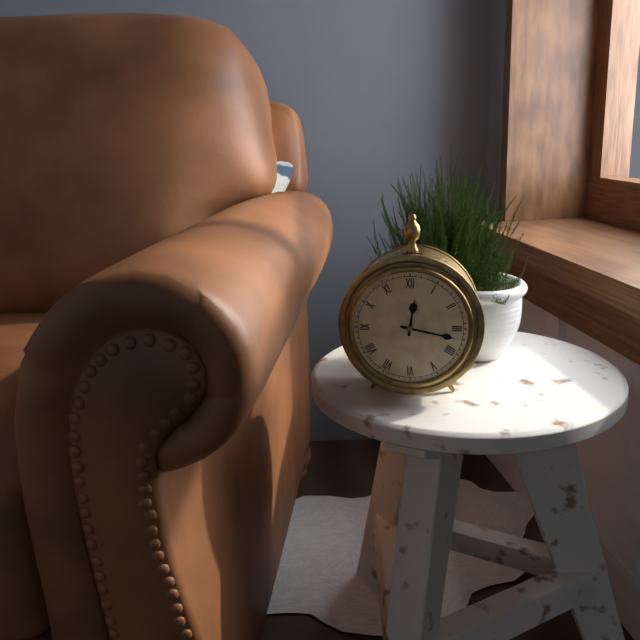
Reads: 12.17
